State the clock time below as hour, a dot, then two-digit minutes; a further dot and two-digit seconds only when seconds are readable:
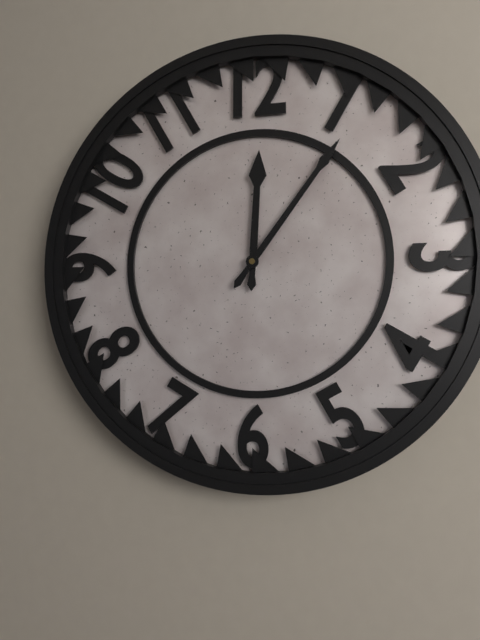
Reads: 12.06
